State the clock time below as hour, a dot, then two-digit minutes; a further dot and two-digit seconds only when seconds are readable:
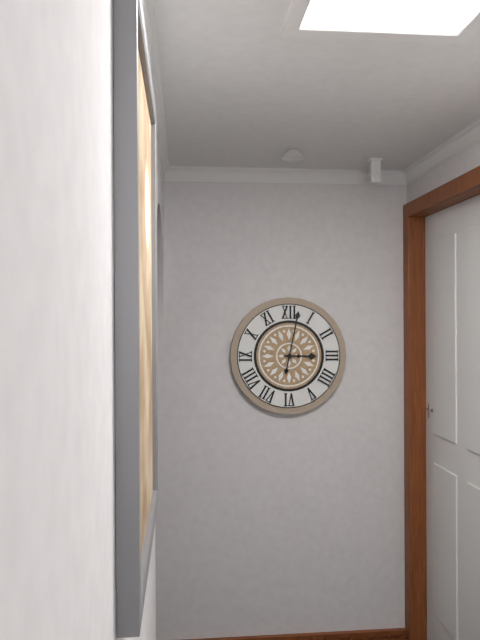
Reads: 3.02
